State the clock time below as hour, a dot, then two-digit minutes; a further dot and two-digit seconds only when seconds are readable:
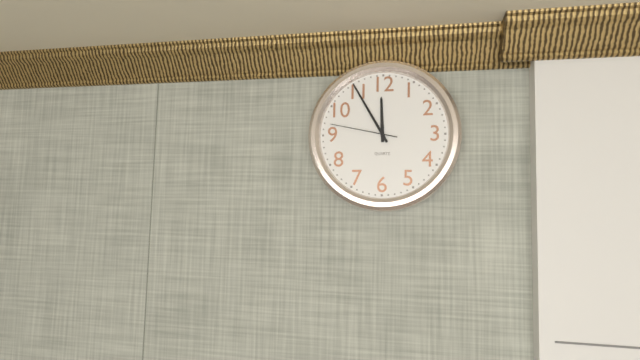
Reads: 11.55.47
